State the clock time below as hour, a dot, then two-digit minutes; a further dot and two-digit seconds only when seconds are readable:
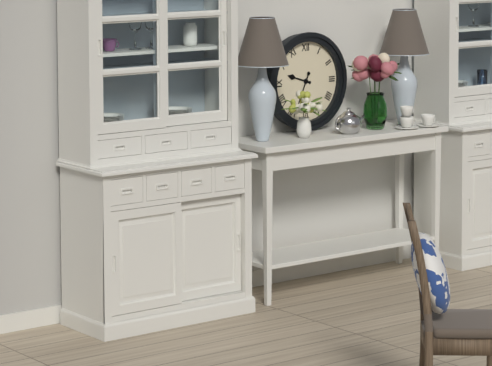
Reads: 9.34
